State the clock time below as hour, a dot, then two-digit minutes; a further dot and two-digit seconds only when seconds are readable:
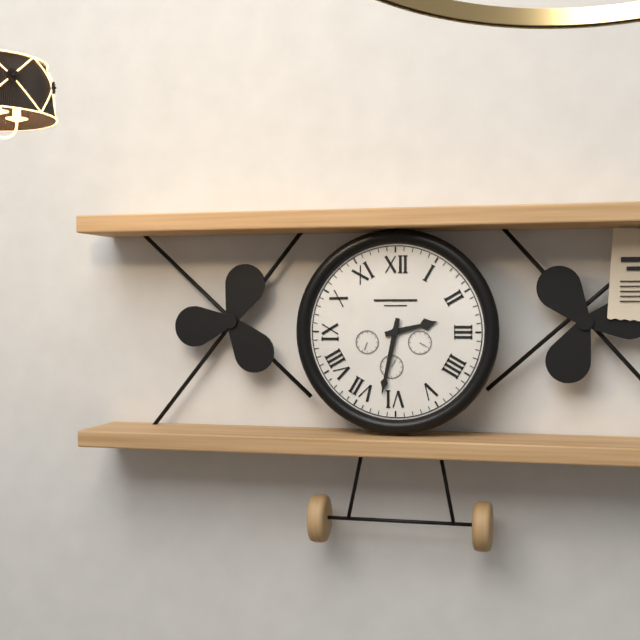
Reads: 2.32
